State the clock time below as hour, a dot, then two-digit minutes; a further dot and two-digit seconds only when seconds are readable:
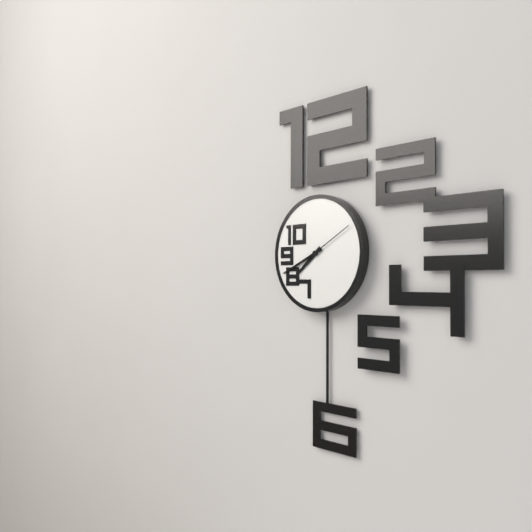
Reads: 7.41.10
